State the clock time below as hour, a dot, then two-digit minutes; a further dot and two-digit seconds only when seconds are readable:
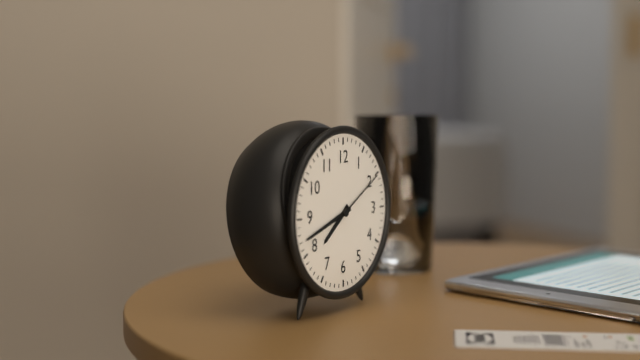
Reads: 7.42.10
